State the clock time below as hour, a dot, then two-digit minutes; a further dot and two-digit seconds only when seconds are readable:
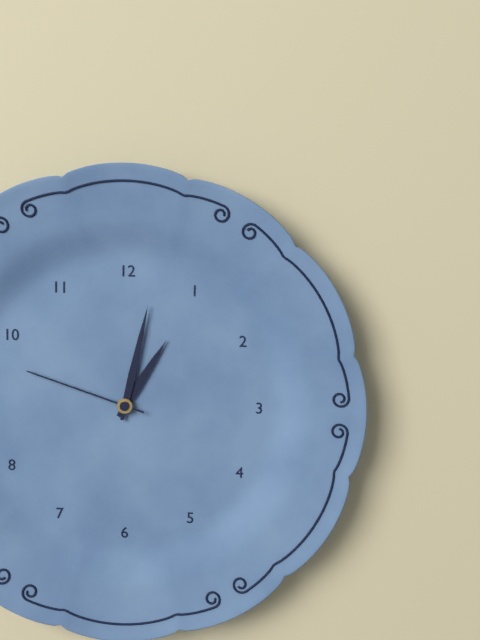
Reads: 1.02.48
